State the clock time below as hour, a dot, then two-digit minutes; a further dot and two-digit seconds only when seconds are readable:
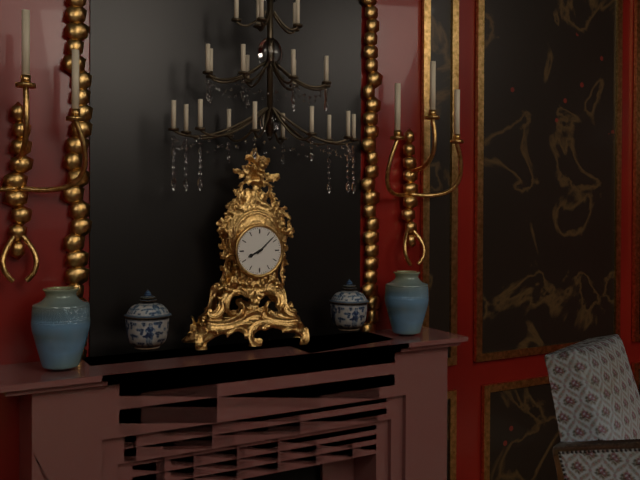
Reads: 8.08
